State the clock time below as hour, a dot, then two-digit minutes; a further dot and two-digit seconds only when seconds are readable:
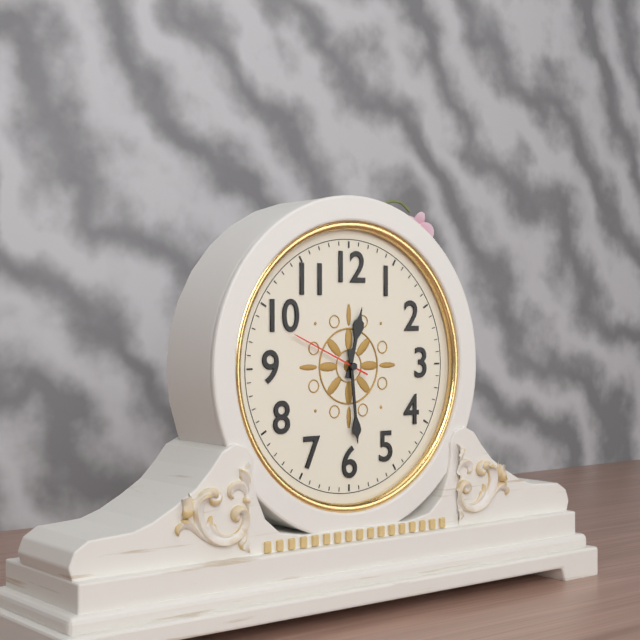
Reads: 12.29.49
